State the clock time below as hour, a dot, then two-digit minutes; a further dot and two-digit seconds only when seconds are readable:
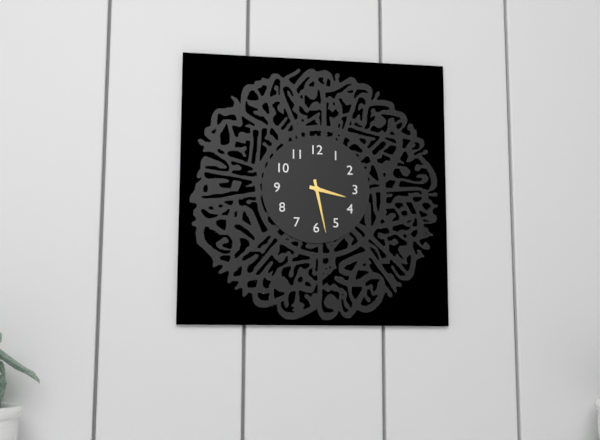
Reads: 3.28
